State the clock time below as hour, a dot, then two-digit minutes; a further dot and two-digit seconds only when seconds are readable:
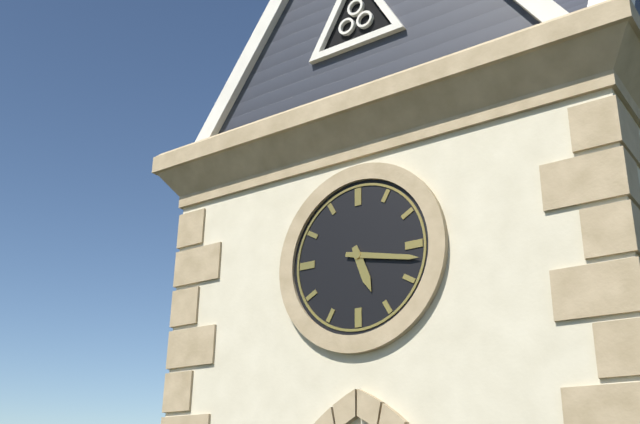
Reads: 5.17
